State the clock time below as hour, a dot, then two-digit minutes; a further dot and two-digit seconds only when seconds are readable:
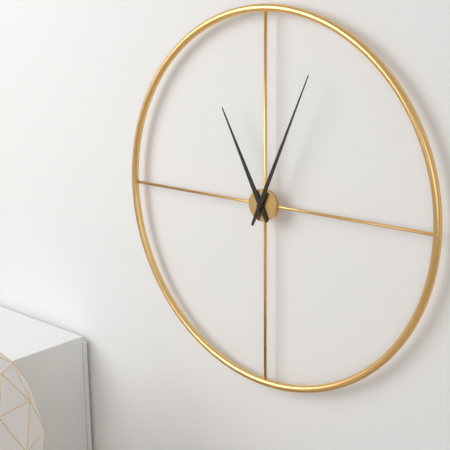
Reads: 11.04
